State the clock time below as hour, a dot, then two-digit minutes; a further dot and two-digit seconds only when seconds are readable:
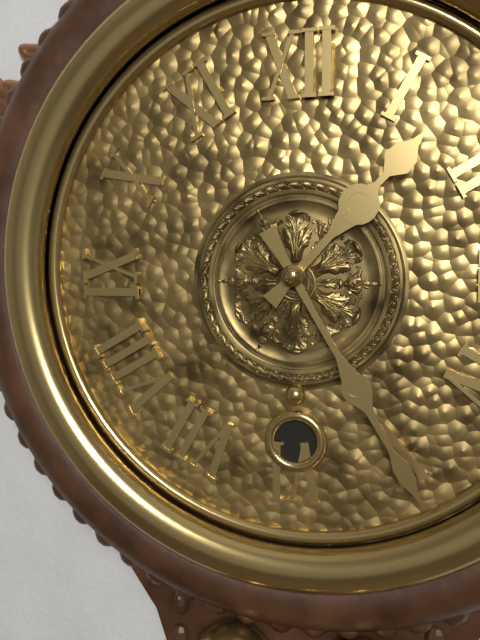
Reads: 1.25
